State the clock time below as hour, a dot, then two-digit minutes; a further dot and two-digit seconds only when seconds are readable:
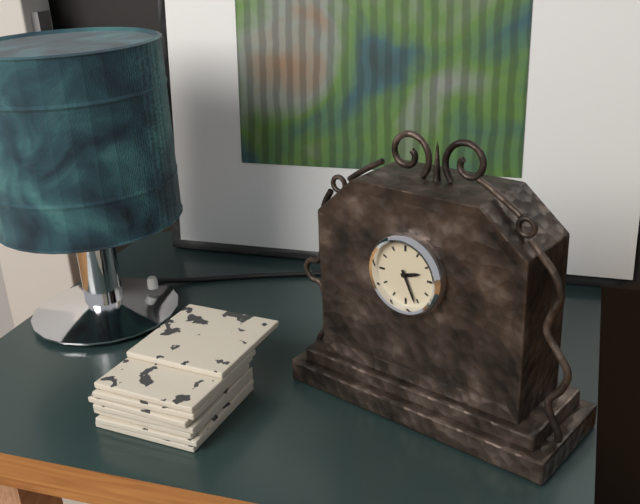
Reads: 2.26
